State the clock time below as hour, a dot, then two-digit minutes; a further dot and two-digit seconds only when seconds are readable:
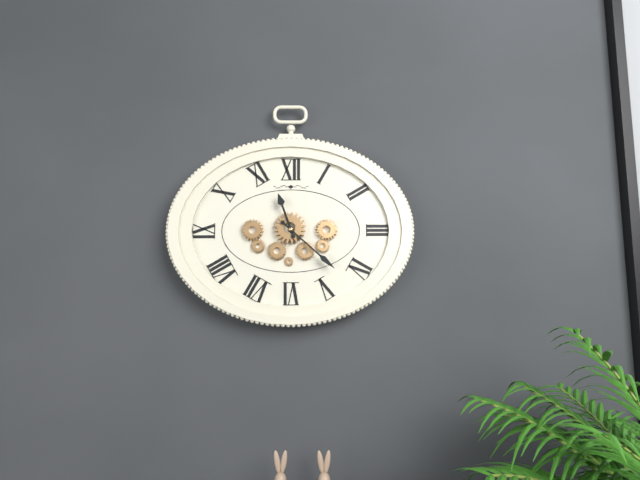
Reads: 11.22
